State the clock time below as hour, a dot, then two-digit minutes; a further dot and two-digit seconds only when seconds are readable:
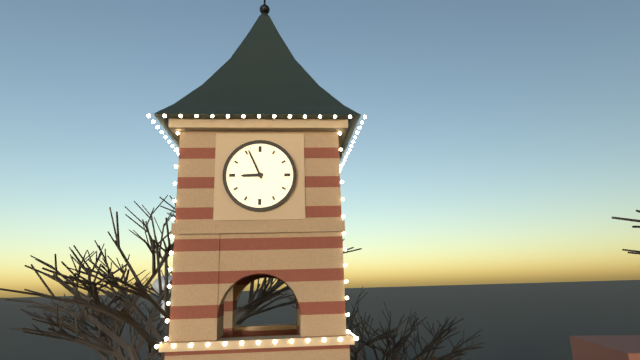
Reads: 8.56
